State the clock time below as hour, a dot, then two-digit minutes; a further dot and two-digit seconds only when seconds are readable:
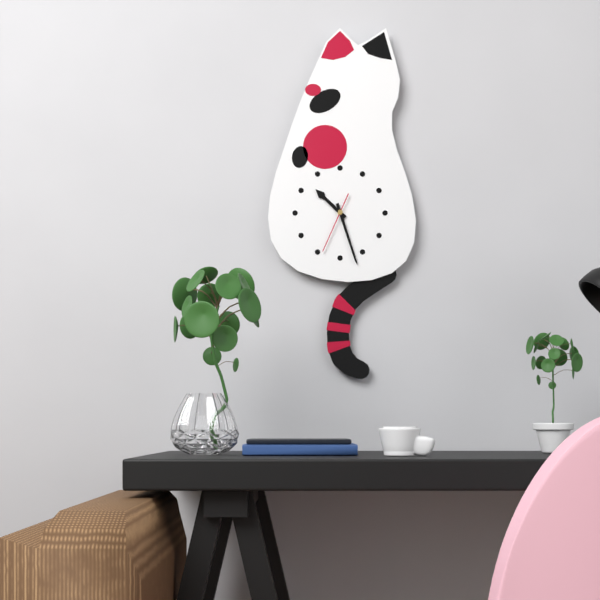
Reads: 10.27.34
